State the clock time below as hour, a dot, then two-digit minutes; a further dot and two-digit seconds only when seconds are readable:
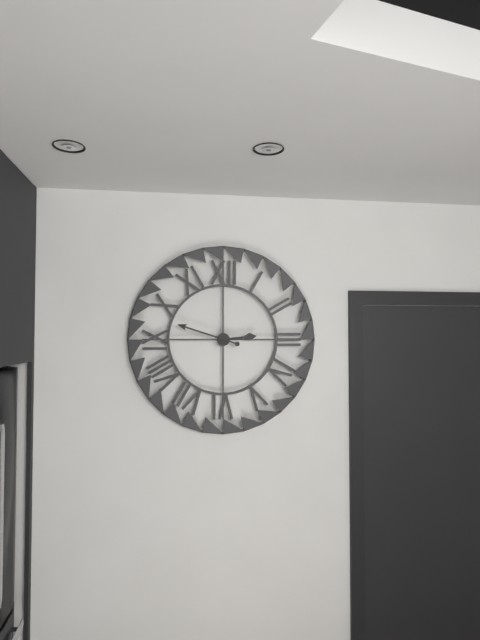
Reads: 2.48
